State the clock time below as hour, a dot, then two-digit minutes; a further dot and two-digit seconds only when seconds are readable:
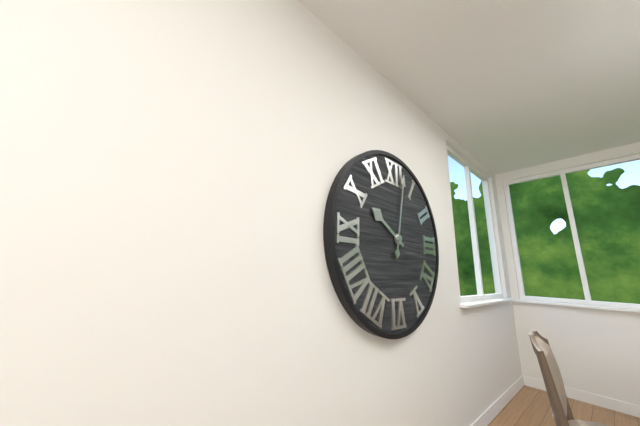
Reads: 10.02
